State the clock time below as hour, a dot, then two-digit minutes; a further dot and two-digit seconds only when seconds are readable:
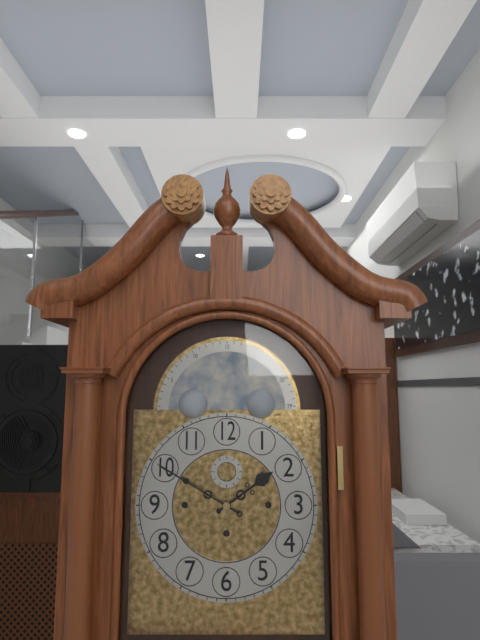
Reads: 1.50
